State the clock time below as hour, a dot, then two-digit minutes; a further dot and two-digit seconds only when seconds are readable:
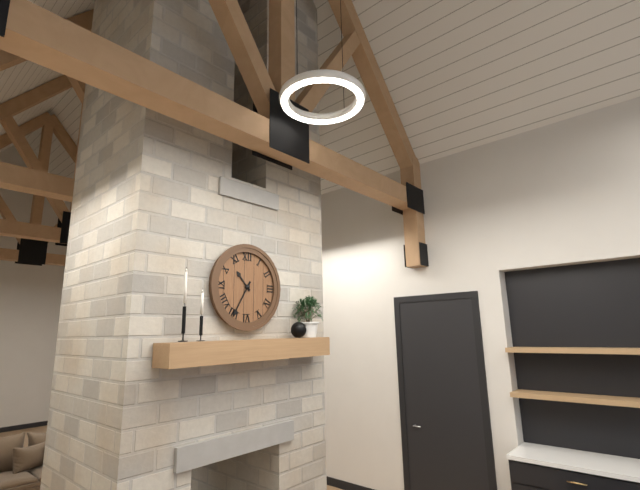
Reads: 10.35
